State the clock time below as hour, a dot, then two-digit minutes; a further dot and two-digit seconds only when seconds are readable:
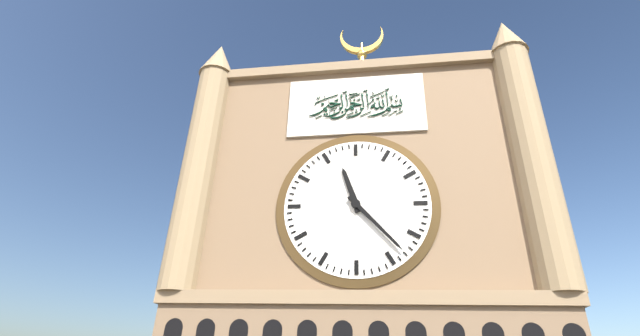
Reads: 11.23
